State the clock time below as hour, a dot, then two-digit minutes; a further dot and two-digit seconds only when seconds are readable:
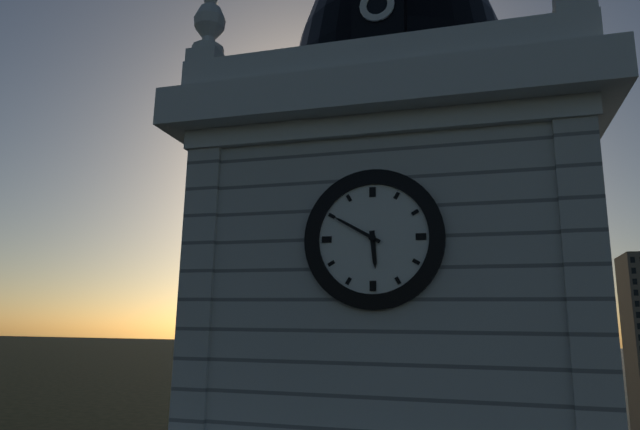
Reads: 5.50
